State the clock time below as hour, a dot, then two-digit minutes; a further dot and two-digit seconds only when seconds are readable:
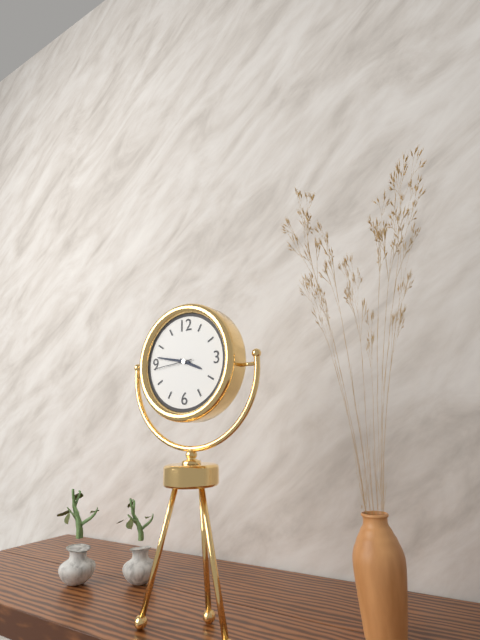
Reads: 3.47
